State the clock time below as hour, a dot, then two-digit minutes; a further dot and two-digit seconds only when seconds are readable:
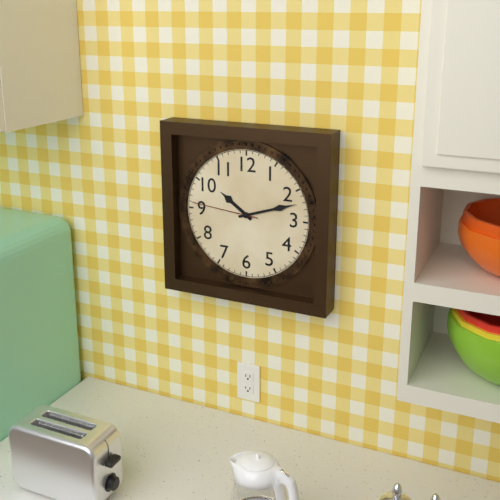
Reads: 10.12.46
